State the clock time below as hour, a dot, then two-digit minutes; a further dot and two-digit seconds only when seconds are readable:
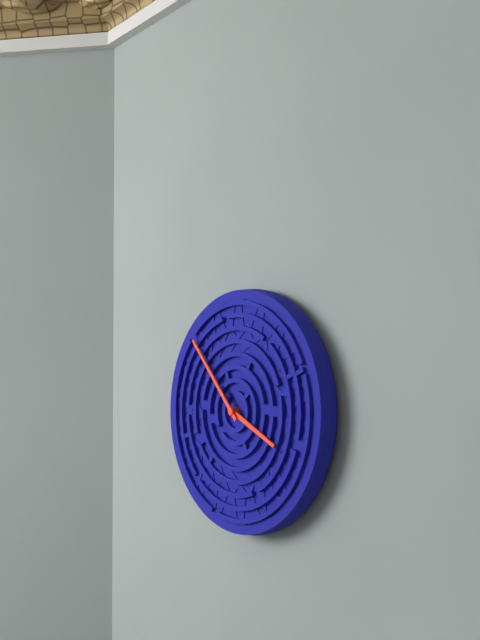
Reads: 3.53
